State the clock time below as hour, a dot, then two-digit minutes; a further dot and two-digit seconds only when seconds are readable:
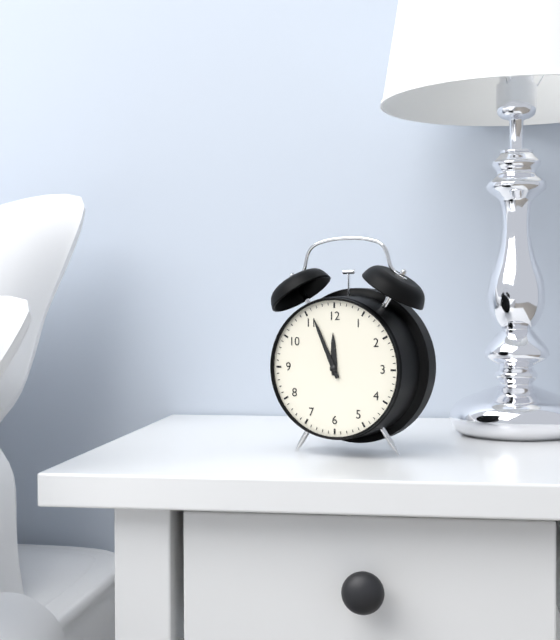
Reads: 11.56
